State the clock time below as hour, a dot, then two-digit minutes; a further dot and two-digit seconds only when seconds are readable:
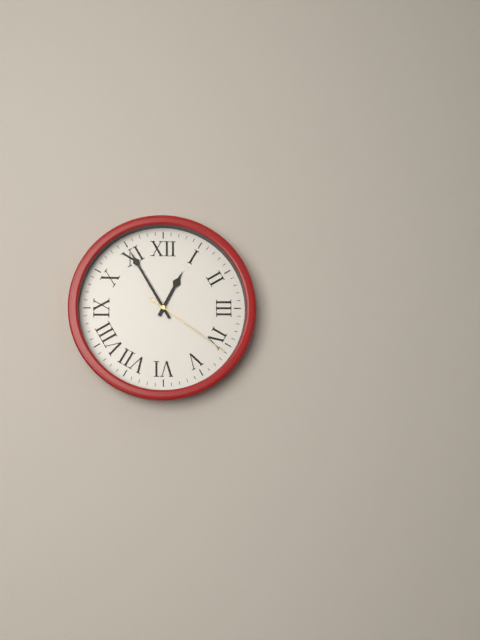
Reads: 12.55.21
